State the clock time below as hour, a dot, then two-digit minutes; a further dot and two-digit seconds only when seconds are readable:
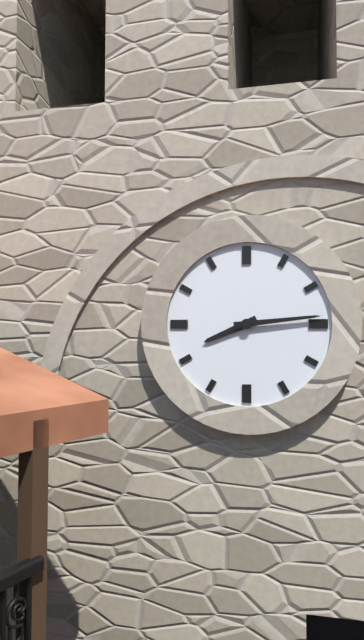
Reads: 8.14
